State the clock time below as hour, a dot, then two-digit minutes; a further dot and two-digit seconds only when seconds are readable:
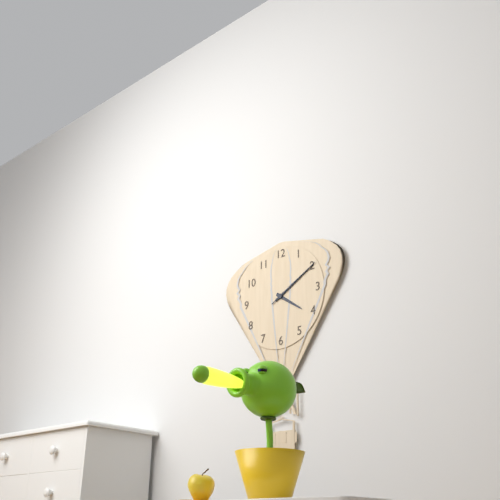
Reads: 4.10.10
